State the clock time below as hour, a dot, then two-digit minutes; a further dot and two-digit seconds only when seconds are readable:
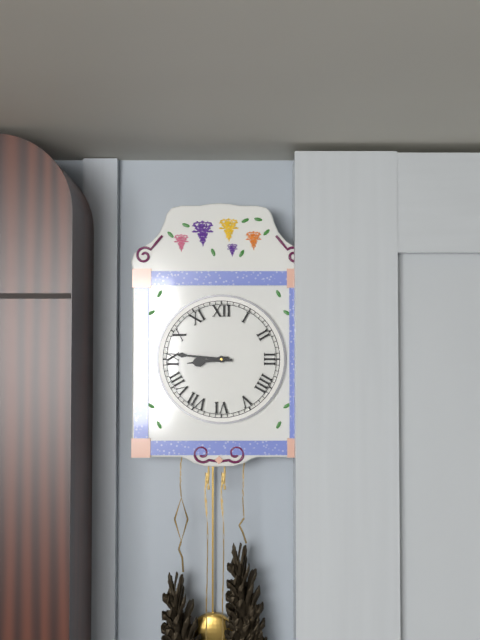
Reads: 8.46
